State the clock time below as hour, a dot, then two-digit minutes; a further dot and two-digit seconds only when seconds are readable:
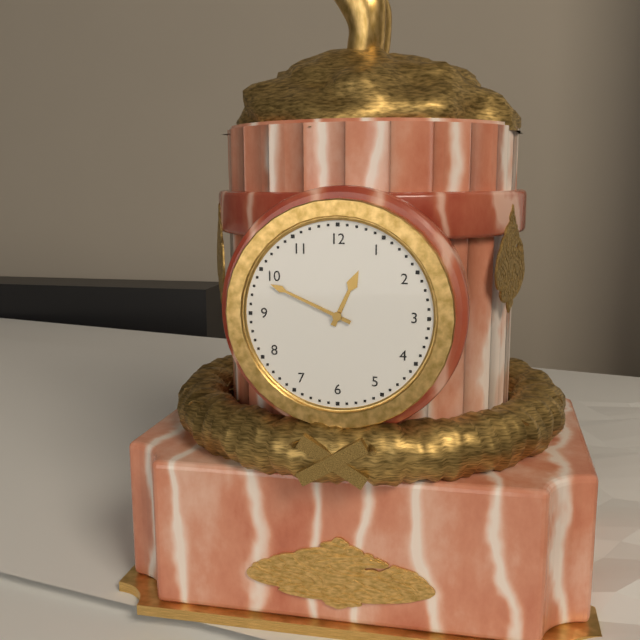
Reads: 12.49
